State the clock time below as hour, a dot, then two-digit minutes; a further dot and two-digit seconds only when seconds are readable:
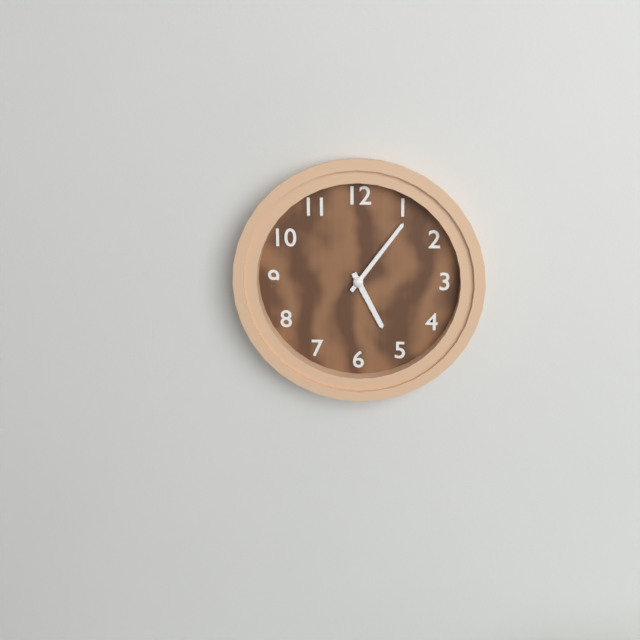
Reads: 5.06
